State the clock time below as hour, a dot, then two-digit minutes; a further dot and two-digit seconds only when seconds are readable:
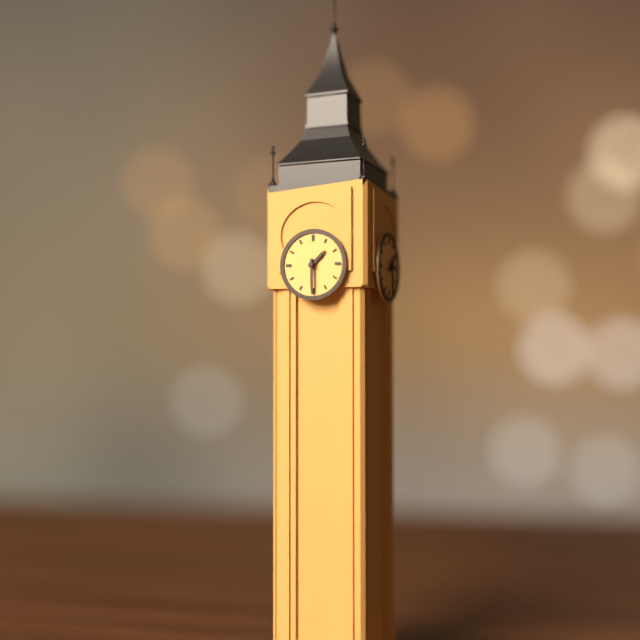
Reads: 1.30
